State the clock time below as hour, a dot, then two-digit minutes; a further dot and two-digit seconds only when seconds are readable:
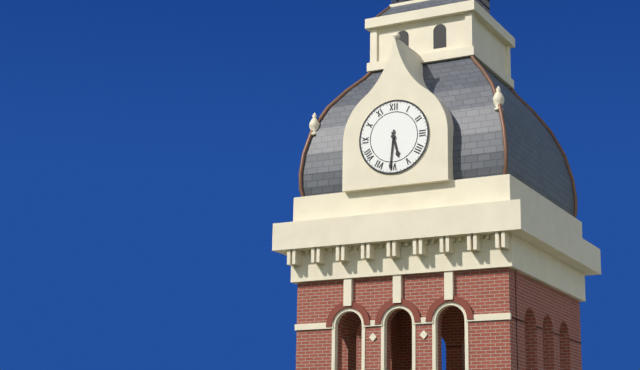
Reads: 5.31
